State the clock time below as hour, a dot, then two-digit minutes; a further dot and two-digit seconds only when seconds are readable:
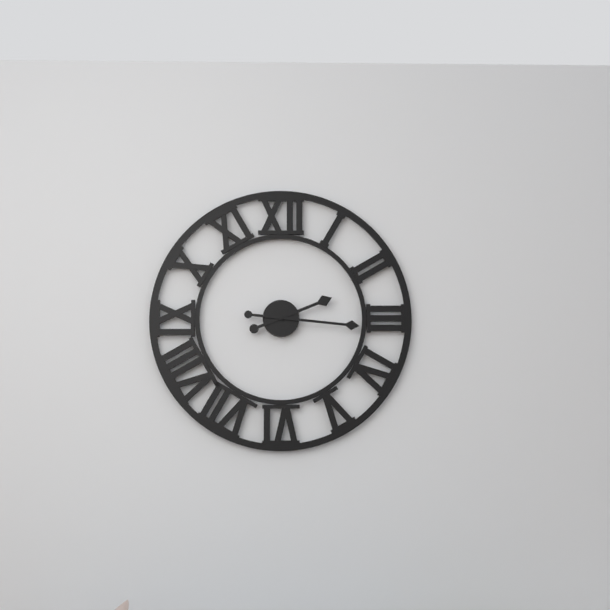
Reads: 2.16
